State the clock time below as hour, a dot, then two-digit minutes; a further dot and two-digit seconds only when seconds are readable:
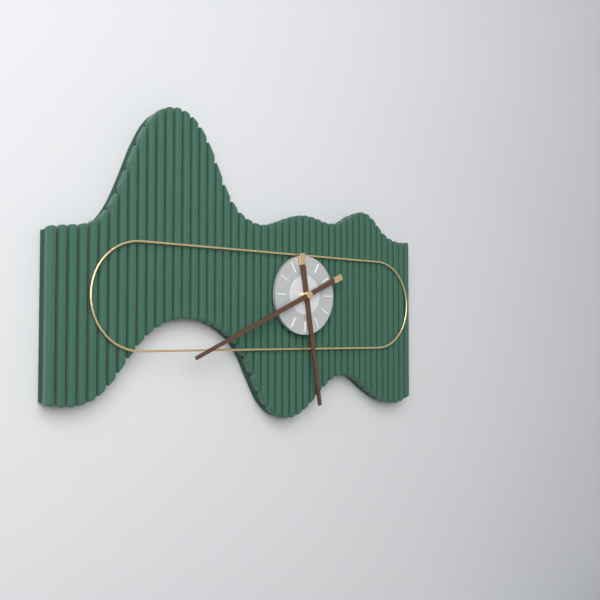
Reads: 5.41
